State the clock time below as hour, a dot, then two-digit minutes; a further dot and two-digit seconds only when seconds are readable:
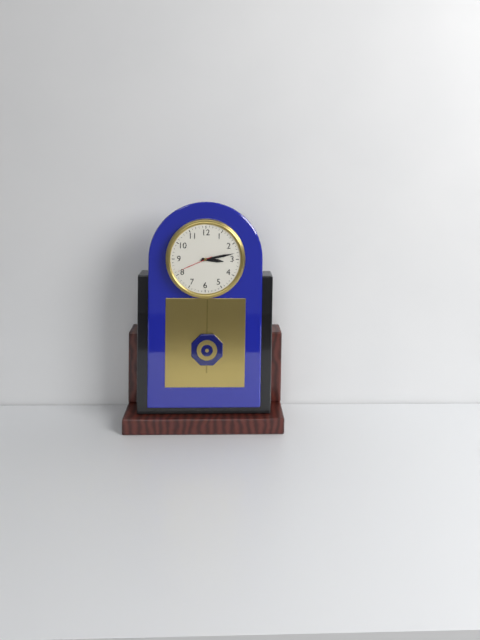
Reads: 3.13
